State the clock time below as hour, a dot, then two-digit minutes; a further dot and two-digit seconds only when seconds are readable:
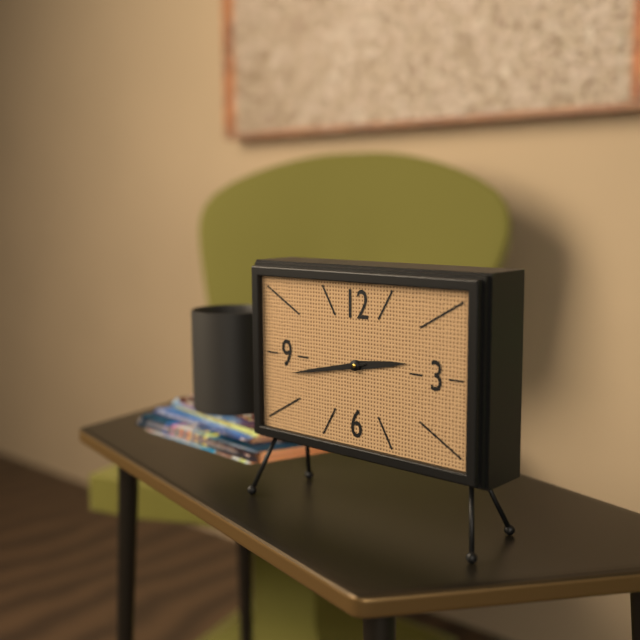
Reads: 2.43
